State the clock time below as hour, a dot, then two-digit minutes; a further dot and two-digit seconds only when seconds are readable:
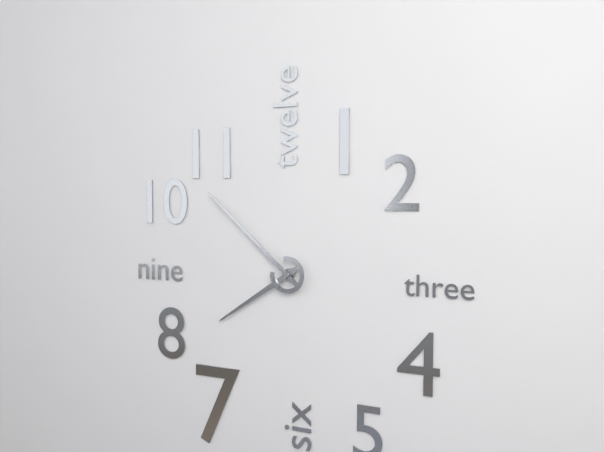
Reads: 7.52
